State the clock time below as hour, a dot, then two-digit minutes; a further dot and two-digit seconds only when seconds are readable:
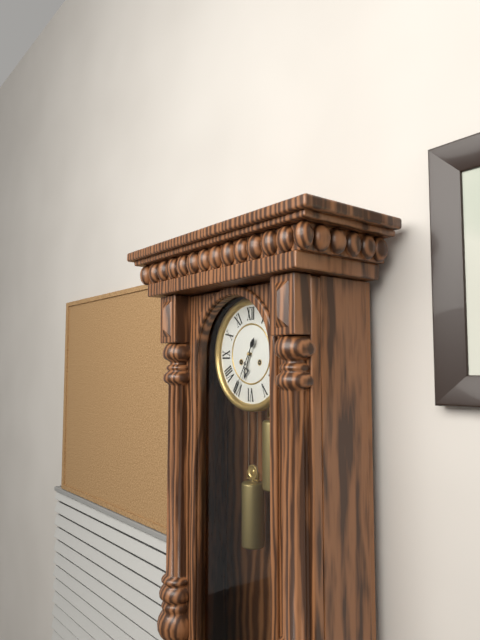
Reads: 6.35
